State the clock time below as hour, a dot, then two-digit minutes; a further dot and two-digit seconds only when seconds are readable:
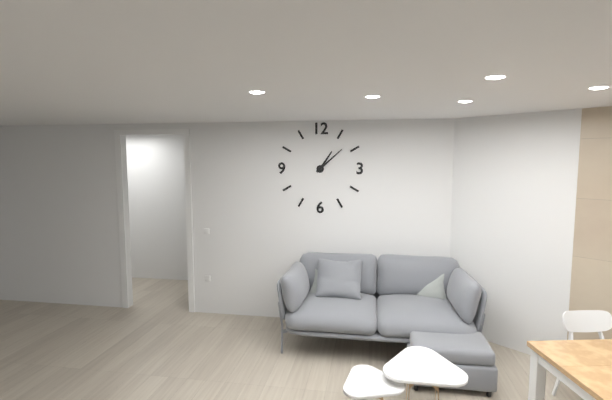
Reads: 1.08
